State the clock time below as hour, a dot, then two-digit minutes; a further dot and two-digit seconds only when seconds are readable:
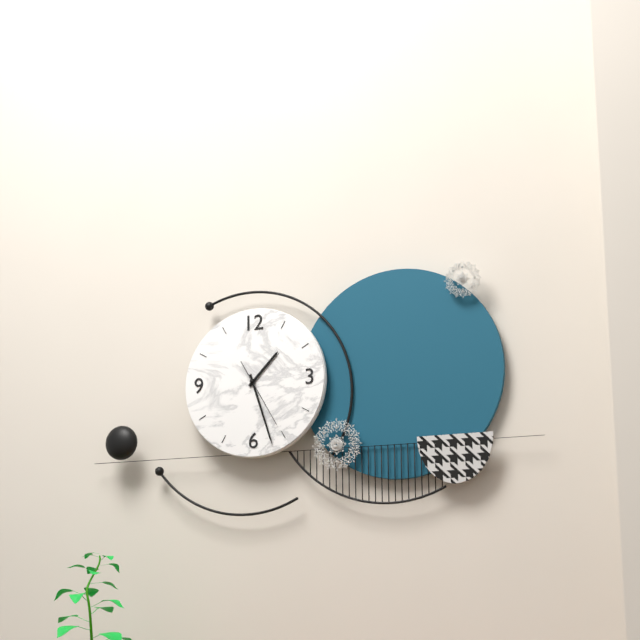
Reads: 1.27.25
